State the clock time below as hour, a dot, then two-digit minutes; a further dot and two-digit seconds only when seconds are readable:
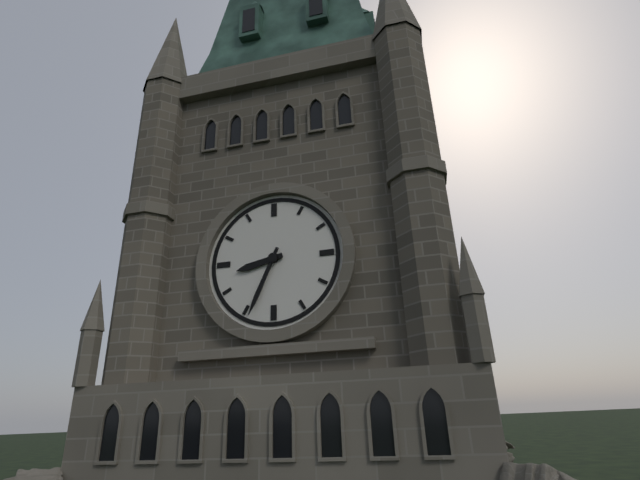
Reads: 8.34
